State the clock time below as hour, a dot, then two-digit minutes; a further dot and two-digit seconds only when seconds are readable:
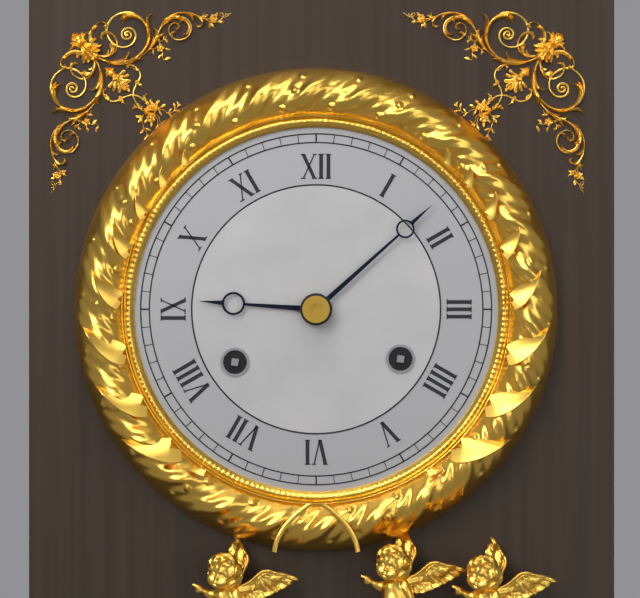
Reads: 9.08
